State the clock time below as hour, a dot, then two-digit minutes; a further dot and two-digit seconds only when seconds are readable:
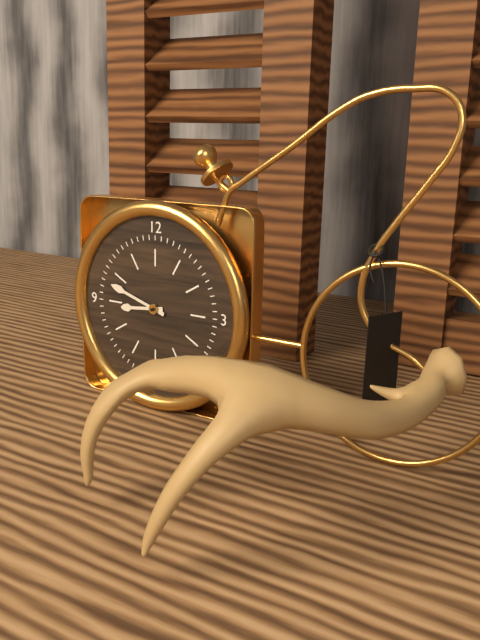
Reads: 8.48
